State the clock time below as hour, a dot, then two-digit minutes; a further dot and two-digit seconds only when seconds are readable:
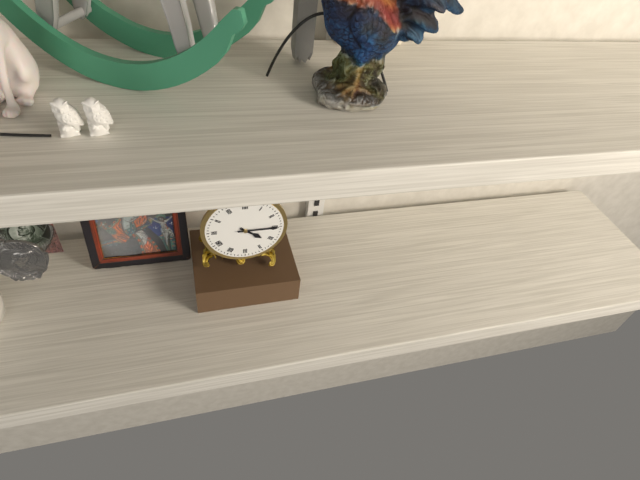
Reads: 4.15
